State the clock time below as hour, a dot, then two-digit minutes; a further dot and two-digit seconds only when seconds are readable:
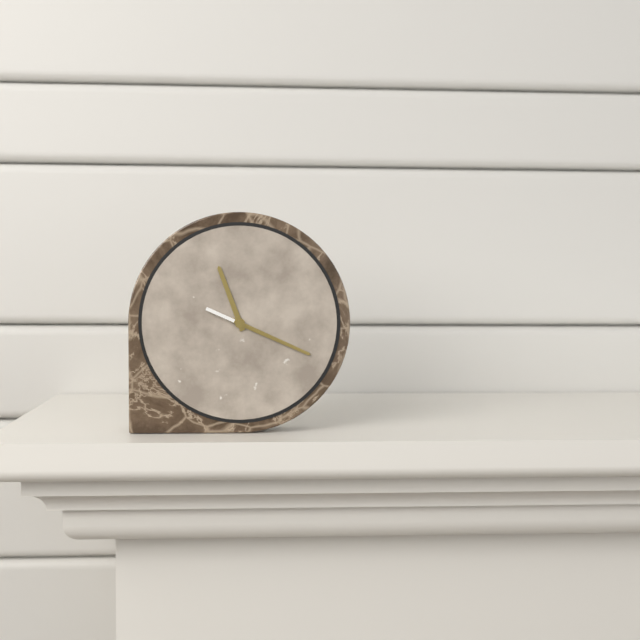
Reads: 11.19.19
